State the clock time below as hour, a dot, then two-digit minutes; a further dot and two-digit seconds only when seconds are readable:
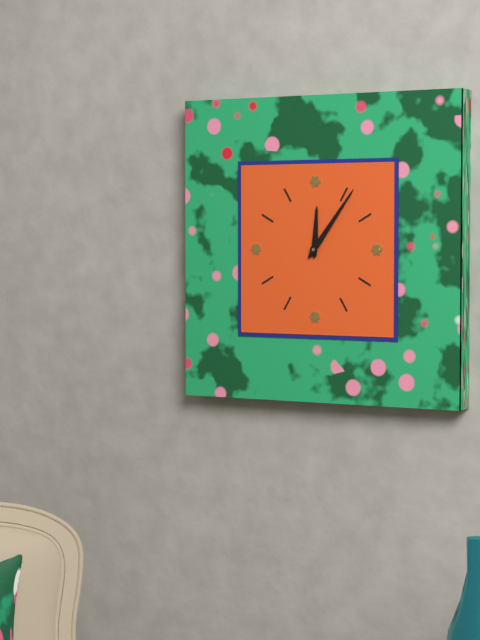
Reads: 12.06
